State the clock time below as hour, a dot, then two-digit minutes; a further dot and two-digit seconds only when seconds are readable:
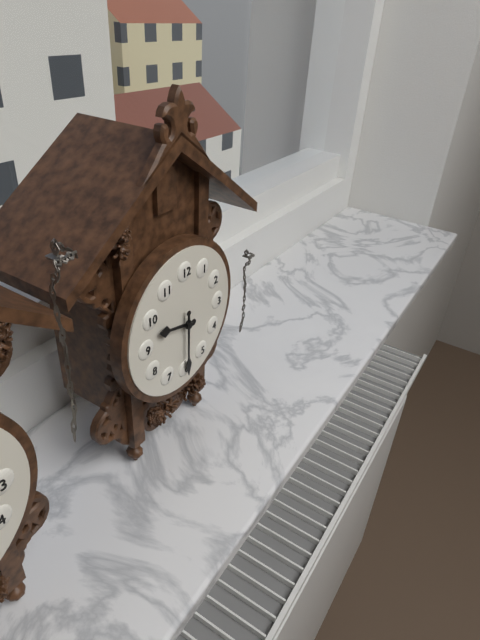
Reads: 9.30
